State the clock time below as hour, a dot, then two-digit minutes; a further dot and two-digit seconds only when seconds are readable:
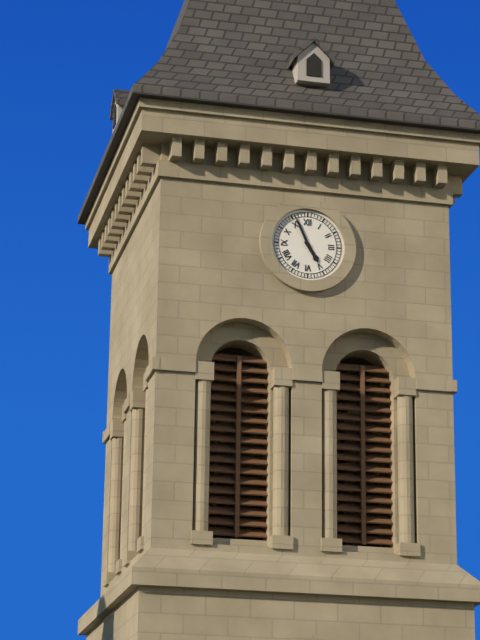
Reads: 4.56
